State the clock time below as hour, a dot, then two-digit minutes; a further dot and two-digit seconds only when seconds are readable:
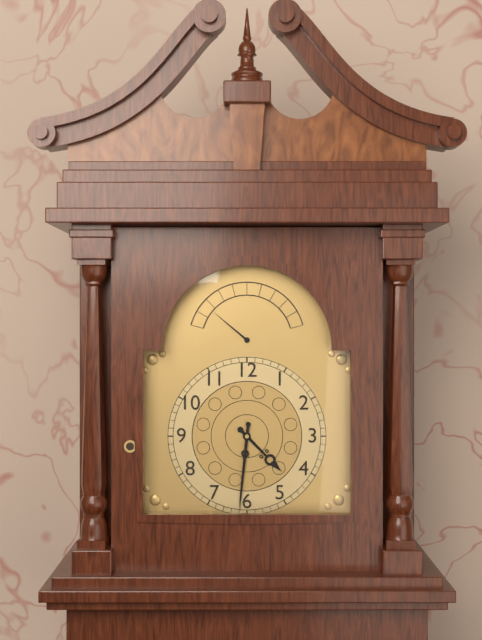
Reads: 4.31
